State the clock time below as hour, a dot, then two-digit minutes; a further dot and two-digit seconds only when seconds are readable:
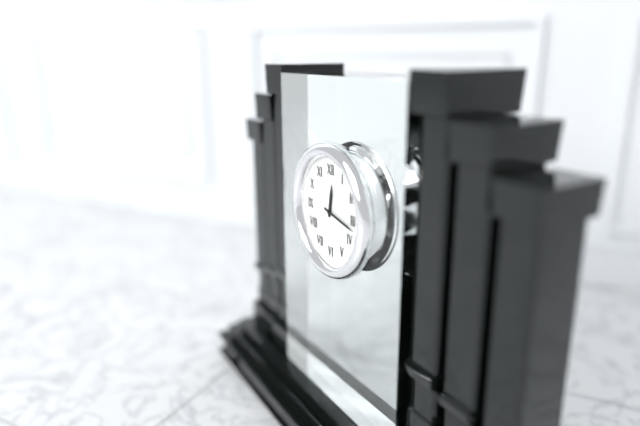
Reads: 12.17
